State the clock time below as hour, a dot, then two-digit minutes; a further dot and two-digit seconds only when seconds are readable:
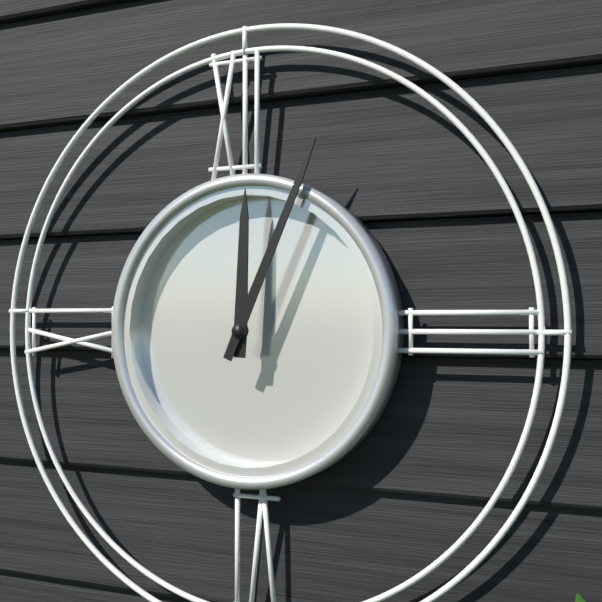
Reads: 12.04
